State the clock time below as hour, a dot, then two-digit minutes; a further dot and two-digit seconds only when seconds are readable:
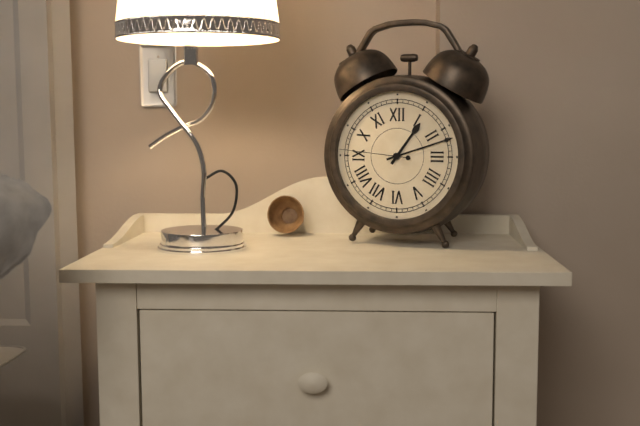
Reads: 1.12.46
